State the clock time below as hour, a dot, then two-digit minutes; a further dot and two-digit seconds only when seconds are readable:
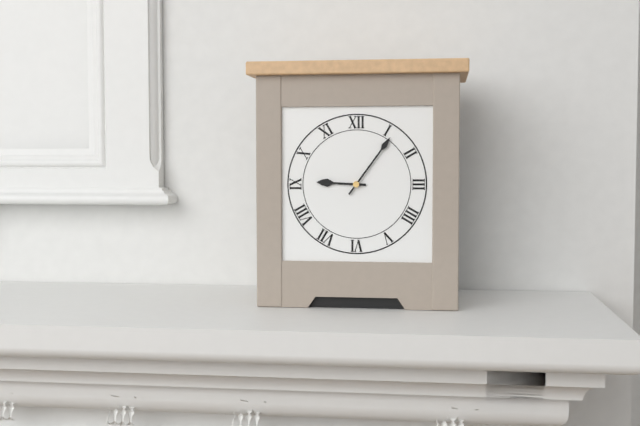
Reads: 9.06
